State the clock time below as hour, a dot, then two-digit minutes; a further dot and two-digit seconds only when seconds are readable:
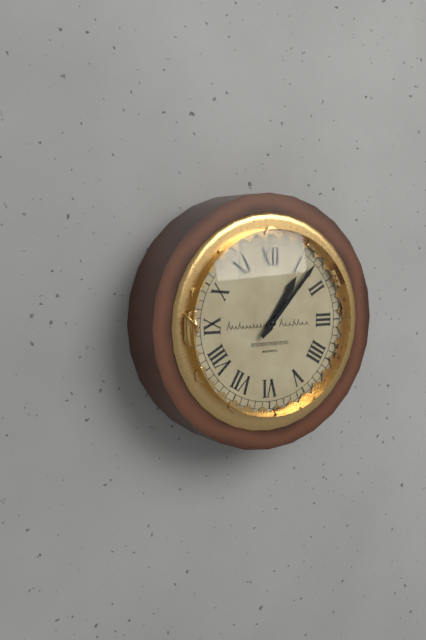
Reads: 1.07
